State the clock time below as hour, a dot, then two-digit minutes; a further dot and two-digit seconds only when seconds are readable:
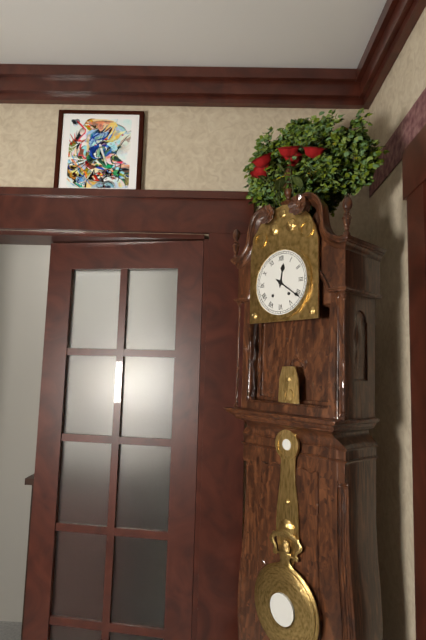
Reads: 12.21
